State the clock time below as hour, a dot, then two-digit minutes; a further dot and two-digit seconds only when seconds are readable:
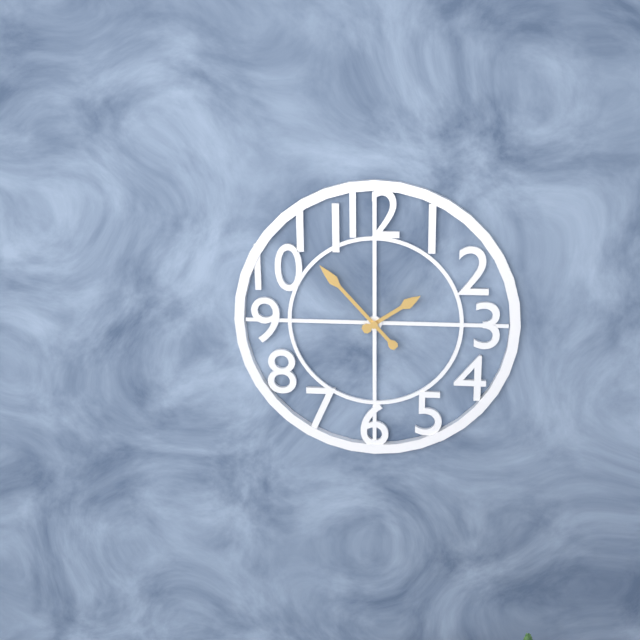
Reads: 1.53
